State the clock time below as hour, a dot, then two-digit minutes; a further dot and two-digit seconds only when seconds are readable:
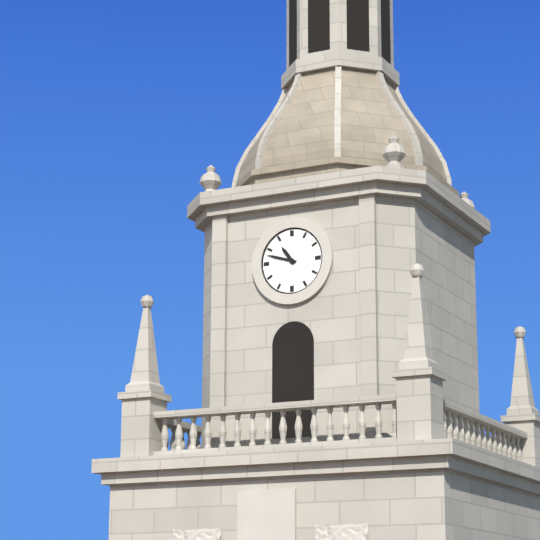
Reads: 10.48
